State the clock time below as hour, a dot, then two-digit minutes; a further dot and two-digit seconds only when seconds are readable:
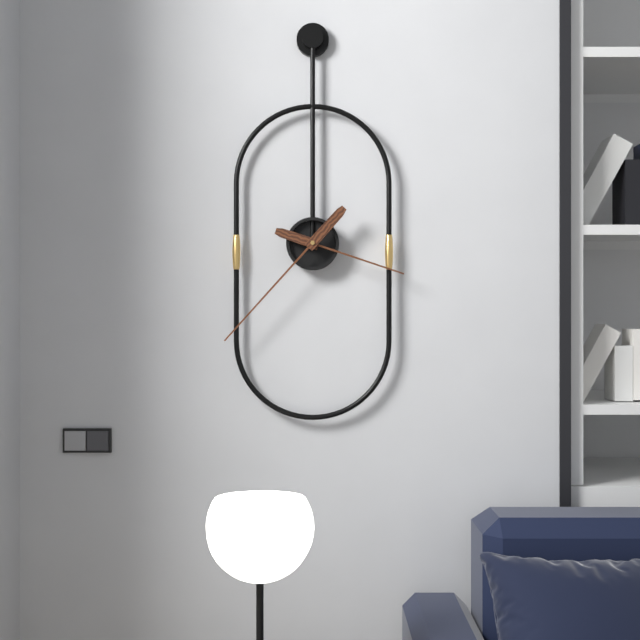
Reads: 3.37
